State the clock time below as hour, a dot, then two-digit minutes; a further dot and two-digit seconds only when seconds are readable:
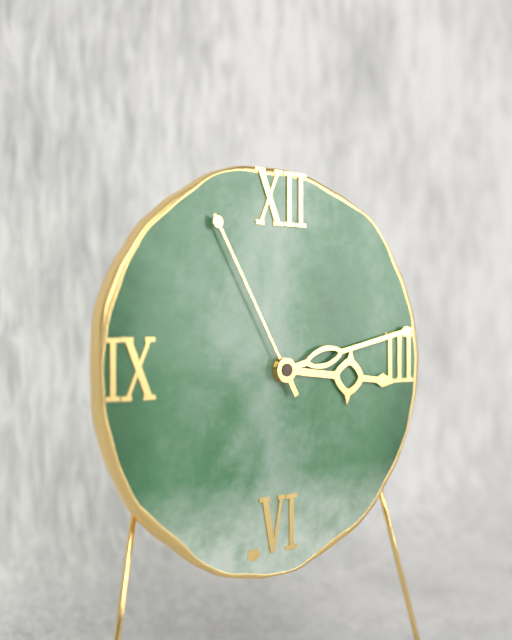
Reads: 3.13.55
